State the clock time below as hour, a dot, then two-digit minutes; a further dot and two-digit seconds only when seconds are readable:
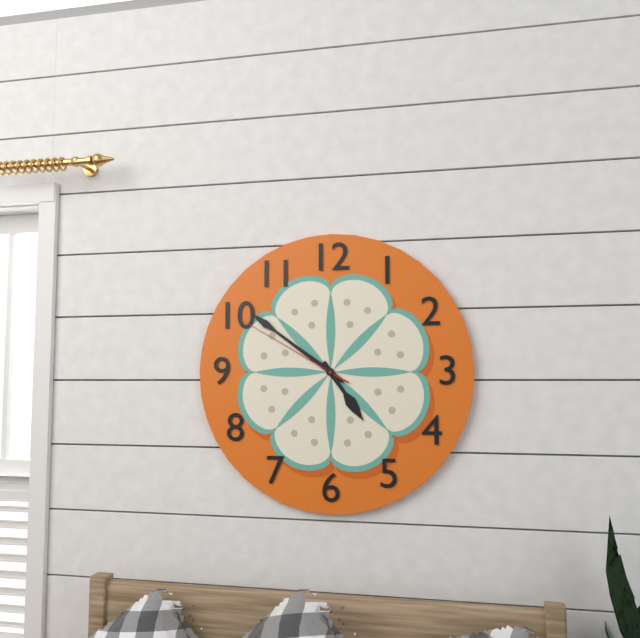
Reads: 4.51.50
